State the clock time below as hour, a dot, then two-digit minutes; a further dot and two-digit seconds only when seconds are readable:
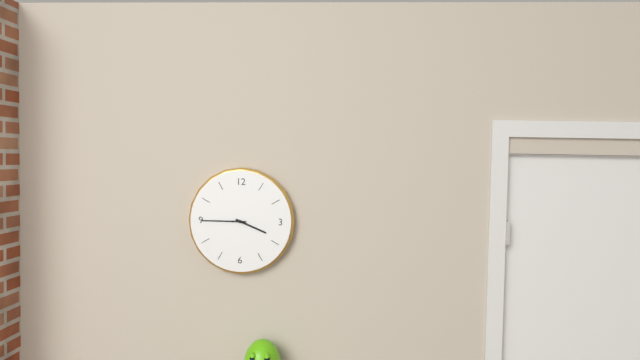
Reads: 3.45
